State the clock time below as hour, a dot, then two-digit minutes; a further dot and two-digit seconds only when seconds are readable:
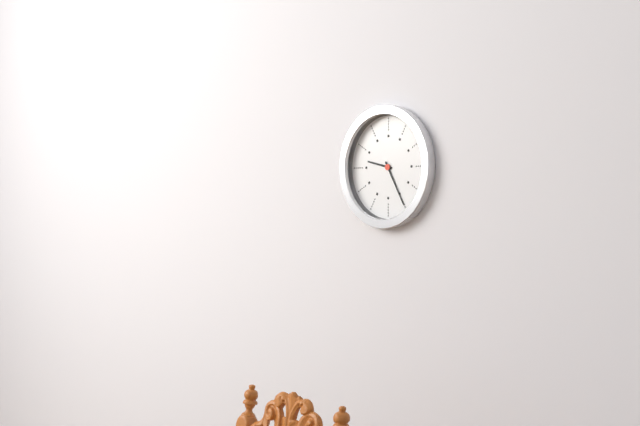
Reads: 9.25
